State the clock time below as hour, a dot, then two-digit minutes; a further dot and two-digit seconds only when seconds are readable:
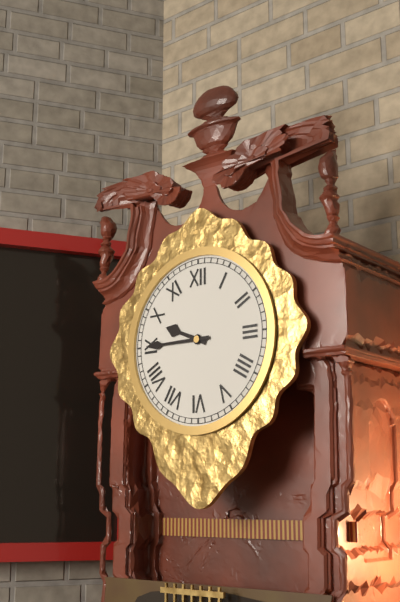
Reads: 9.45
